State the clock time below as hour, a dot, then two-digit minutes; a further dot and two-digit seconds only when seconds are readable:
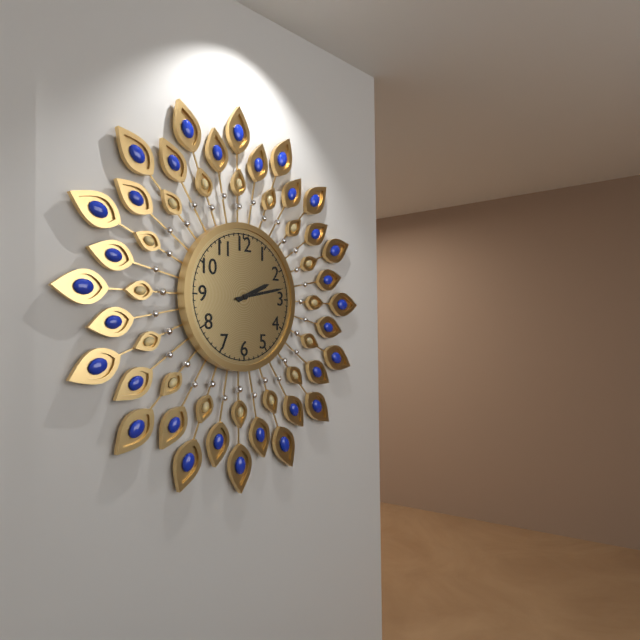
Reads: 2.13
